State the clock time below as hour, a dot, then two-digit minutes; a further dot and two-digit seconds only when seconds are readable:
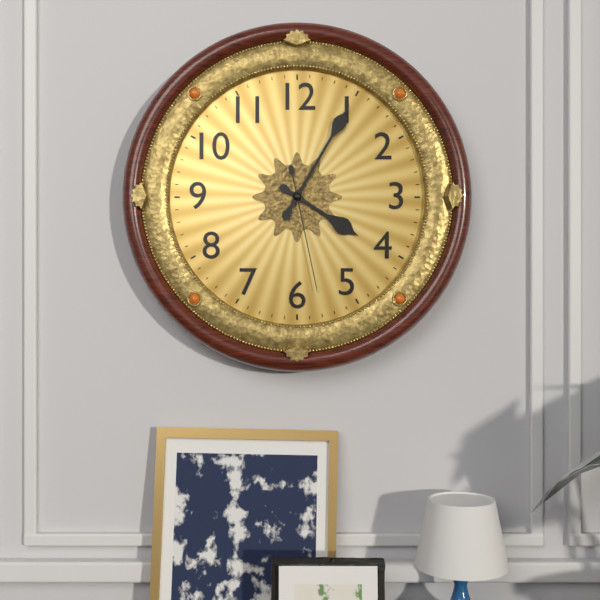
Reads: 4.05.28
